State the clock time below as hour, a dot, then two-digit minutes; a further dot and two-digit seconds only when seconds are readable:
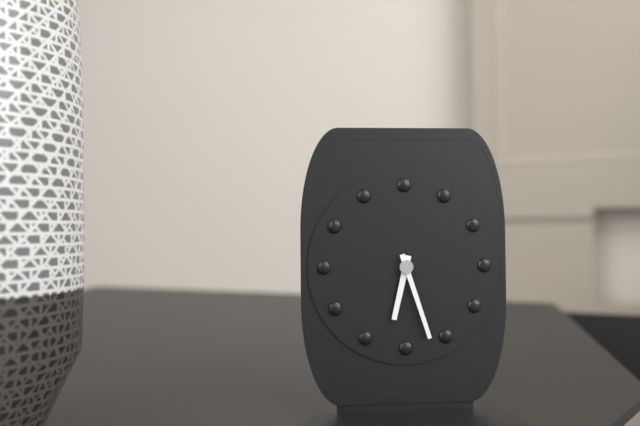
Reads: 6.27
